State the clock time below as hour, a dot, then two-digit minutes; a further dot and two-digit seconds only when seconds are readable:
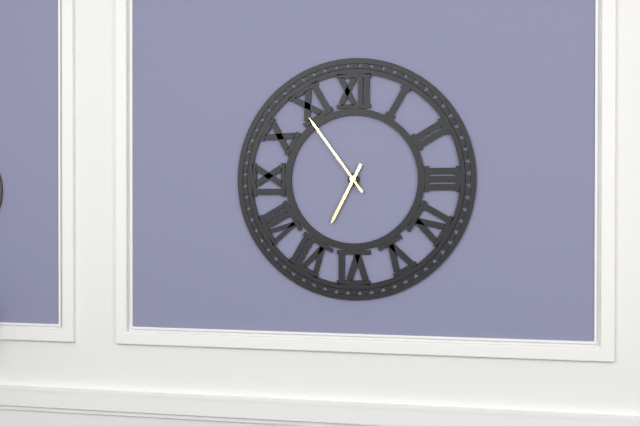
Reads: 6.54
